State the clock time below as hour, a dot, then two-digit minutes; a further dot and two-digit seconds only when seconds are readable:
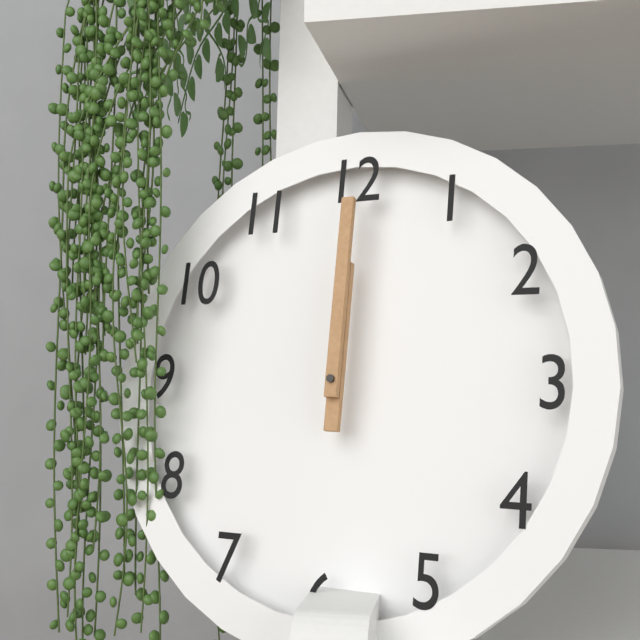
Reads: 12.00
